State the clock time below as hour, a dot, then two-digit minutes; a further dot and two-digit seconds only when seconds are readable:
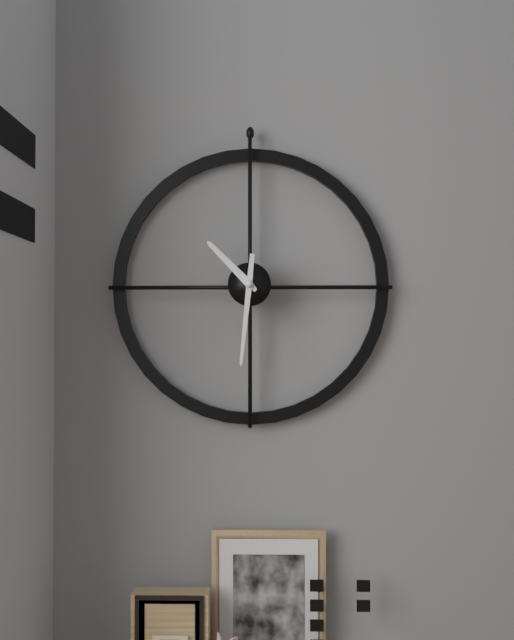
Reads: 10.31
